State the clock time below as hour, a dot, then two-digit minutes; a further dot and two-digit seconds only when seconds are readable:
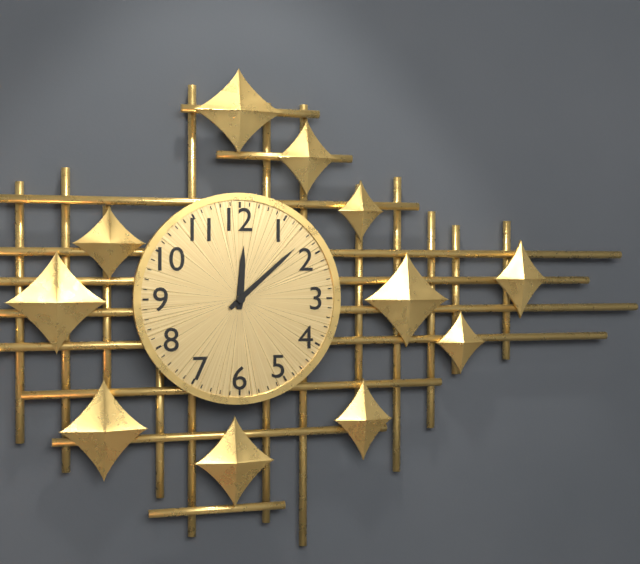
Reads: 12.08
